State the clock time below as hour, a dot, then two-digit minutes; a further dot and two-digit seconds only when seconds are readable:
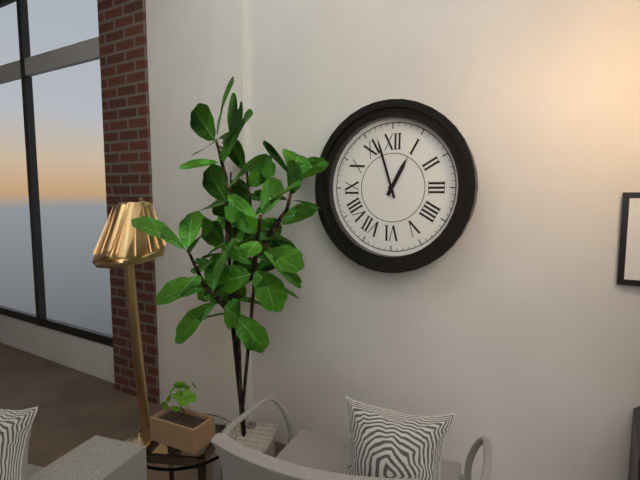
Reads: 12.57
